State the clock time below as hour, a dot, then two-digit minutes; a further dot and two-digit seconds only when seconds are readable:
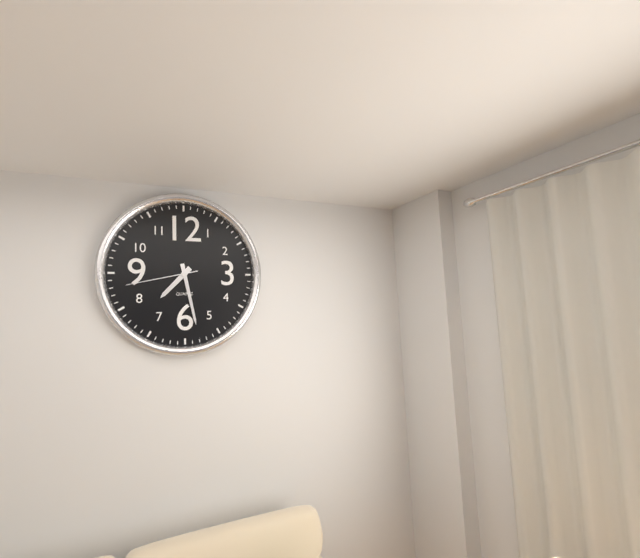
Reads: 7.28.43
